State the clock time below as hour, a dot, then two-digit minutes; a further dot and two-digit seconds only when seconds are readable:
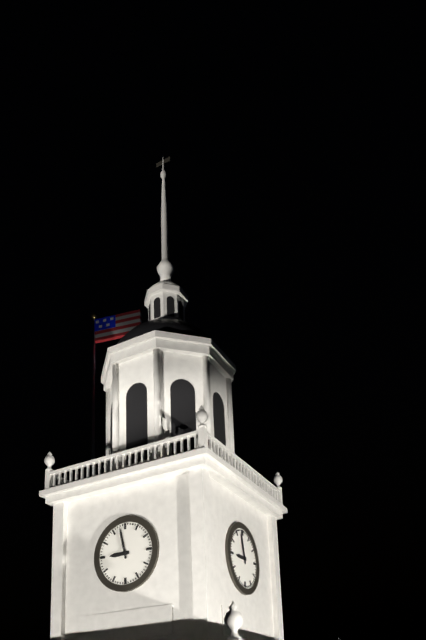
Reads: 8.58
